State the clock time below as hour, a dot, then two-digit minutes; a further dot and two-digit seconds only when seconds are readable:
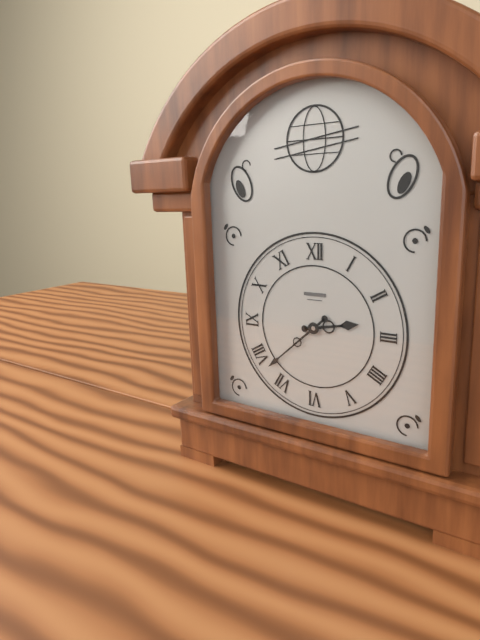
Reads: 2.38
